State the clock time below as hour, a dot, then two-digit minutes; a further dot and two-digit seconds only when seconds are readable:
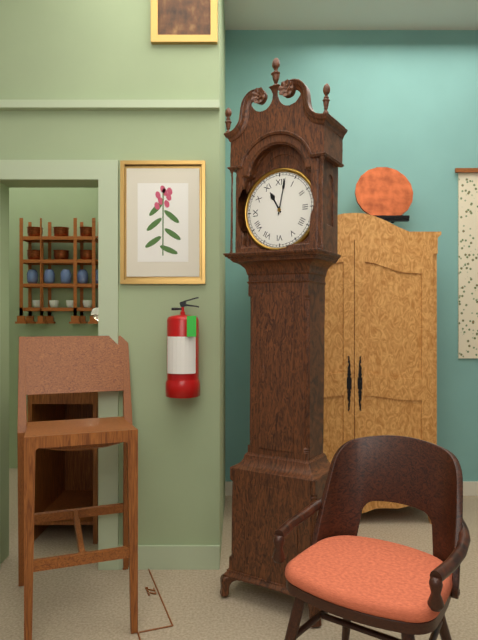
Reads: 11.02
